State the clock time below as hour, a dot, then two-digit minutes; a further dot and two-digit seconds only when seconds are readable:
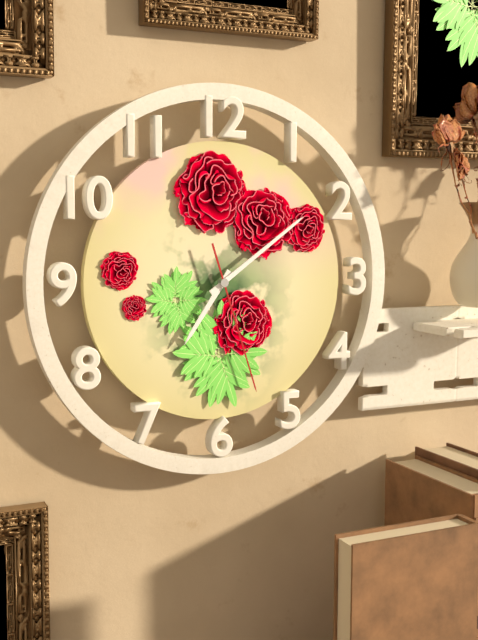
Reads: 7.09.27
